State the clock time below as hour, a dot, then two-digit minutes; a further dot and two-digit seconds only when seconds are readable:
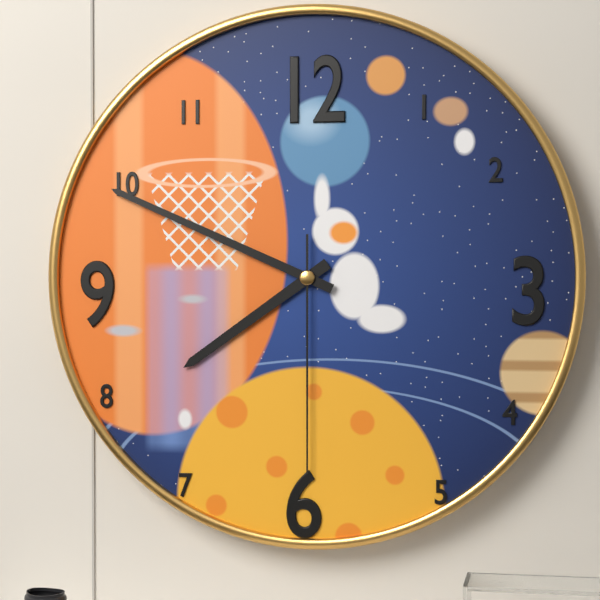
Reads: 7.49.30
